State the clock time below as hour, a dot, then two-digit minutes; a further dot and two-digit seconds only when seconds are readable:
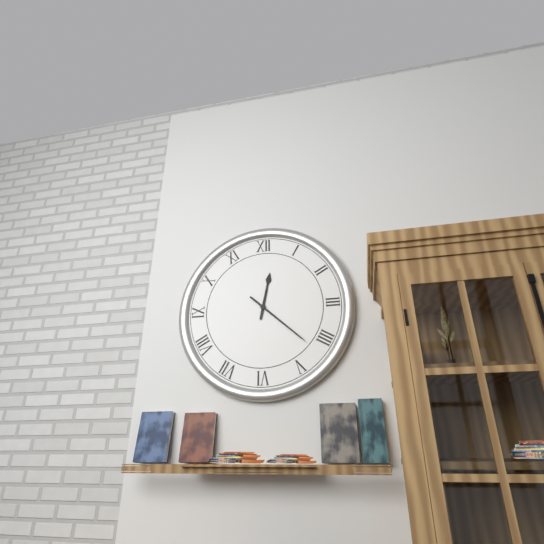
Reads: 12.22
